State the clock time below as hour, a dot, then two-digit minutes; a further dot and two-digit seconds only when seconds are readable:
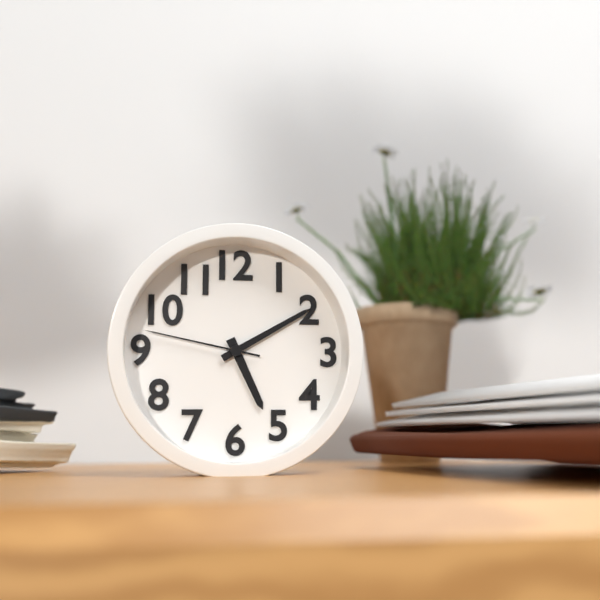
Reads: 5.10.47
